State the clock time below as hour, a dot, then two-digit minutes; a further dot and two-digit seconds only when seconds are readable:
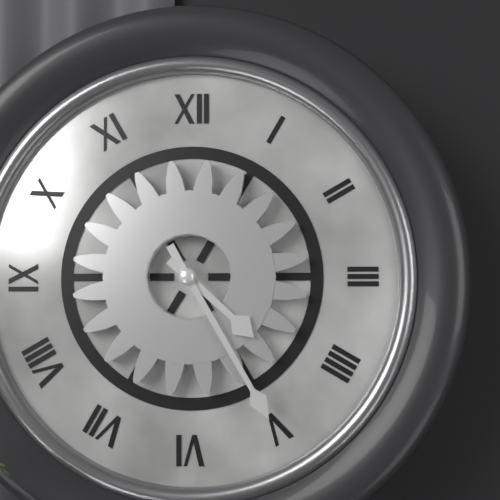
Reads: 4.25
